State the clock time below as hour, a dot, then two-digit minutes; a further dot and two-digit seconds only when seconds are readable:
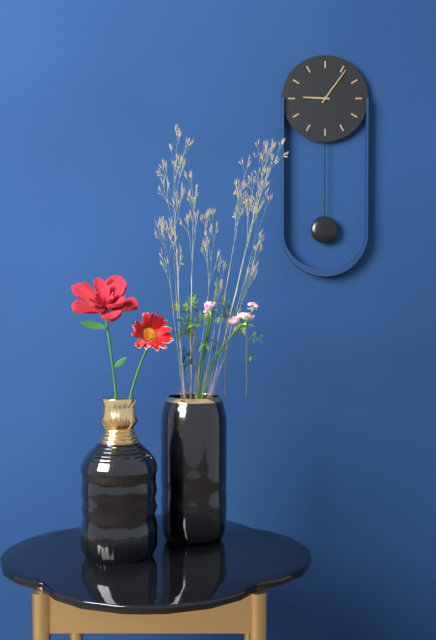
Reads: 9.06
